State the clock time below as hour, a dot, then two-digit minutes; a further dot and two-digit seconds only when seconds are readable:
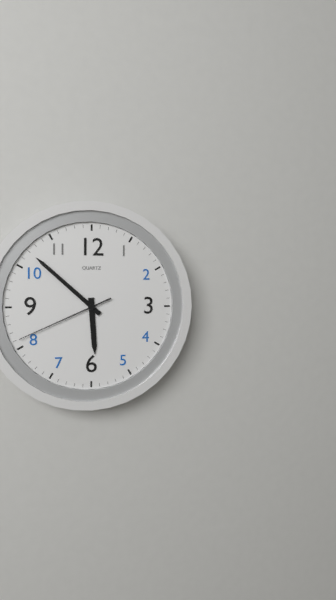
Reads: 5.52.41
